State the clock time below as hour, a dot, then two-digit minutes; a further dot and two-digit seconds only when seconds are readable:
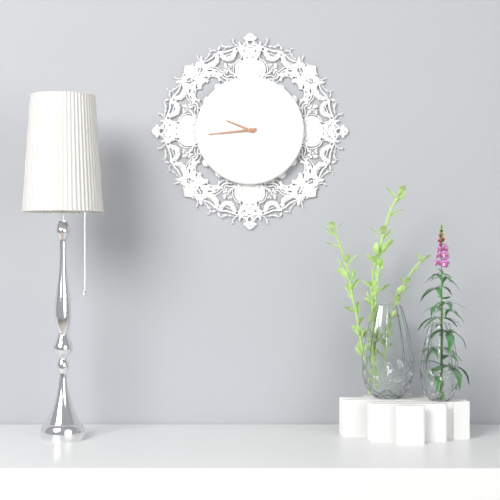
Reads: 9.44
